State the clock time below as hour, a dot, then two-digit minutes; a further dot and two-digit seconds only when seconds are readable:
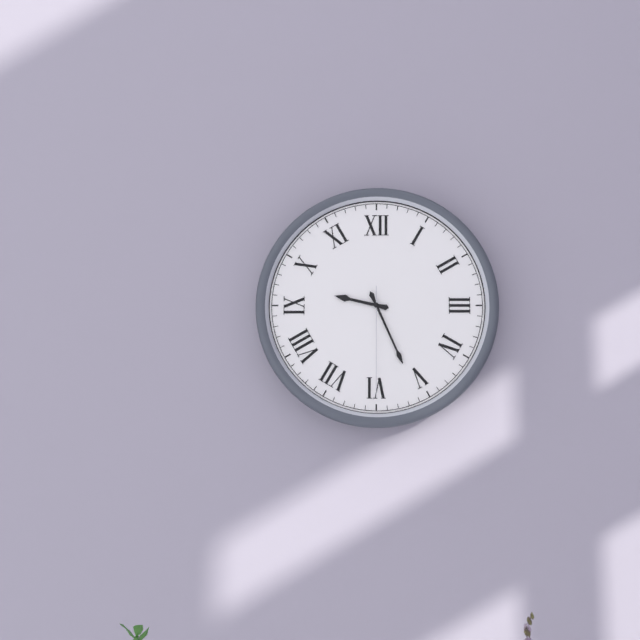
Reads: 9.26.30
